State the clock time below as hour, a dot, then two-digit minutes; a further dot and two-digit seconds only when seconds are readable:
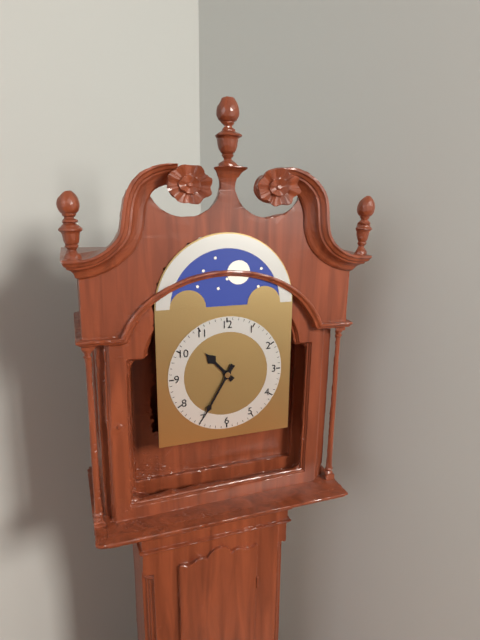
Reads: 10.35
